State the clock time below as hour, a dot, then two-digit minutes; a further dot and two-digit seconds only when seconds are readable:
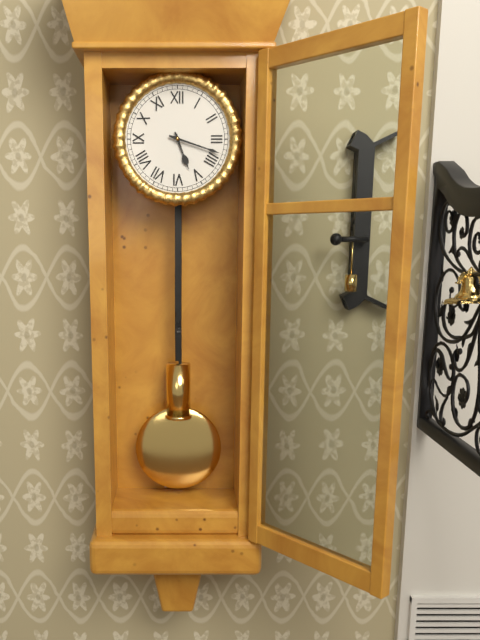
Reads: 5.18
